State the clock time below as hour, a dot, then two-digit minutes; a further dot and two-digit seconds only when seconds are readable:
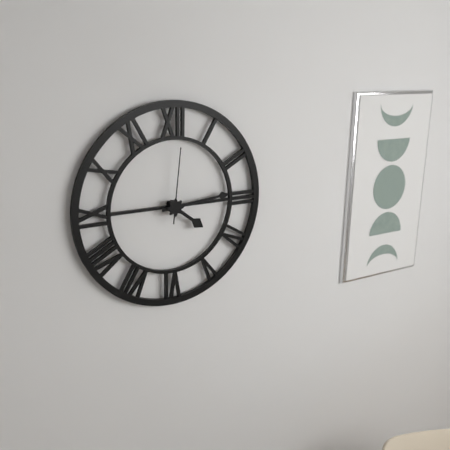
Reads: 4.14.01
